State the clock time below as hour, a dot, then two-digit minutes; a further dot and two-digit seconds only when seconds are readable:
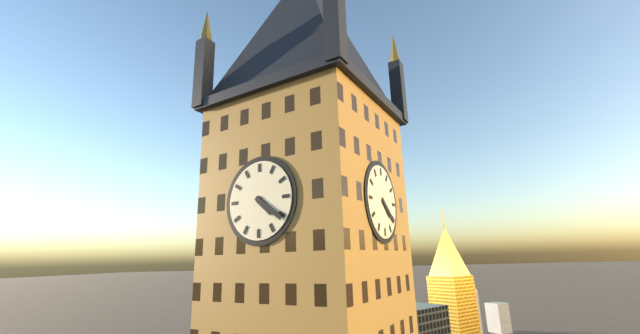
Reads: 4.21
